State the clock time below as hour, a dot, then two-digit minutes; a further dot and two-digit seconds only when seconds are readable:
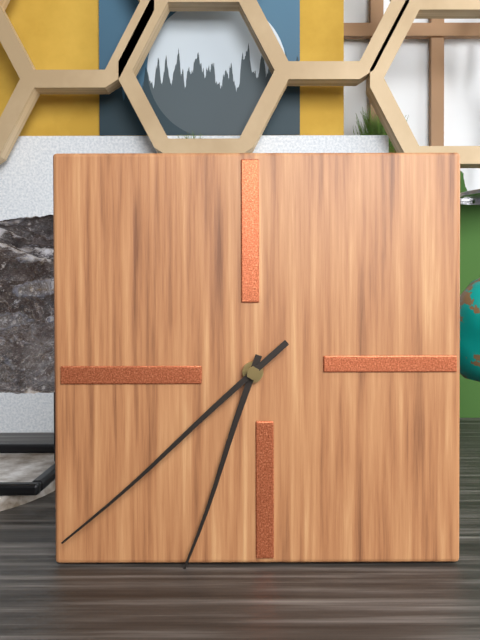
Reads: 6.38
